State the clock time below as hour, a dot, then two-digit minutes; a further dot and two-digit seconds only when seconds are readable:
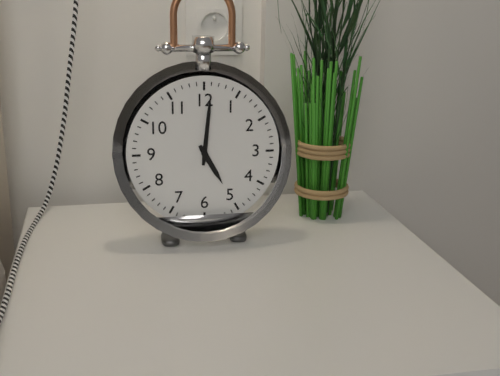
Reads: 5.01
